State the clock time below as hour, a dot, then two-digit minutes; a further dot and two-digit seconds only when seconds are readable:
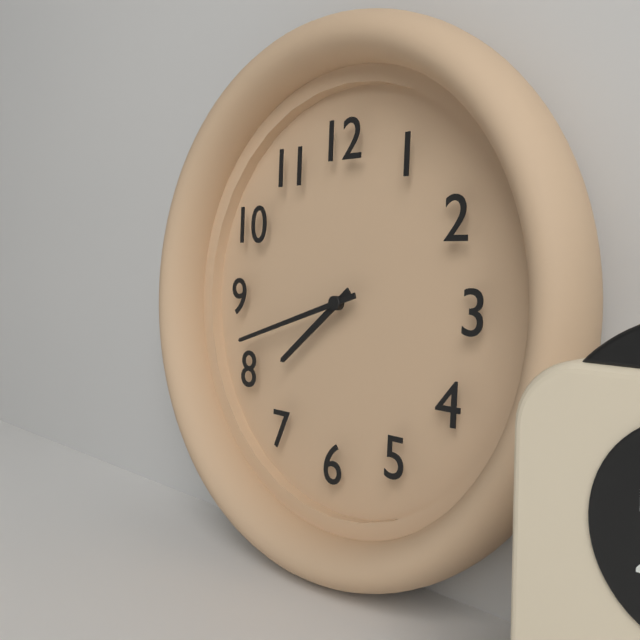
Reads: 7.42
